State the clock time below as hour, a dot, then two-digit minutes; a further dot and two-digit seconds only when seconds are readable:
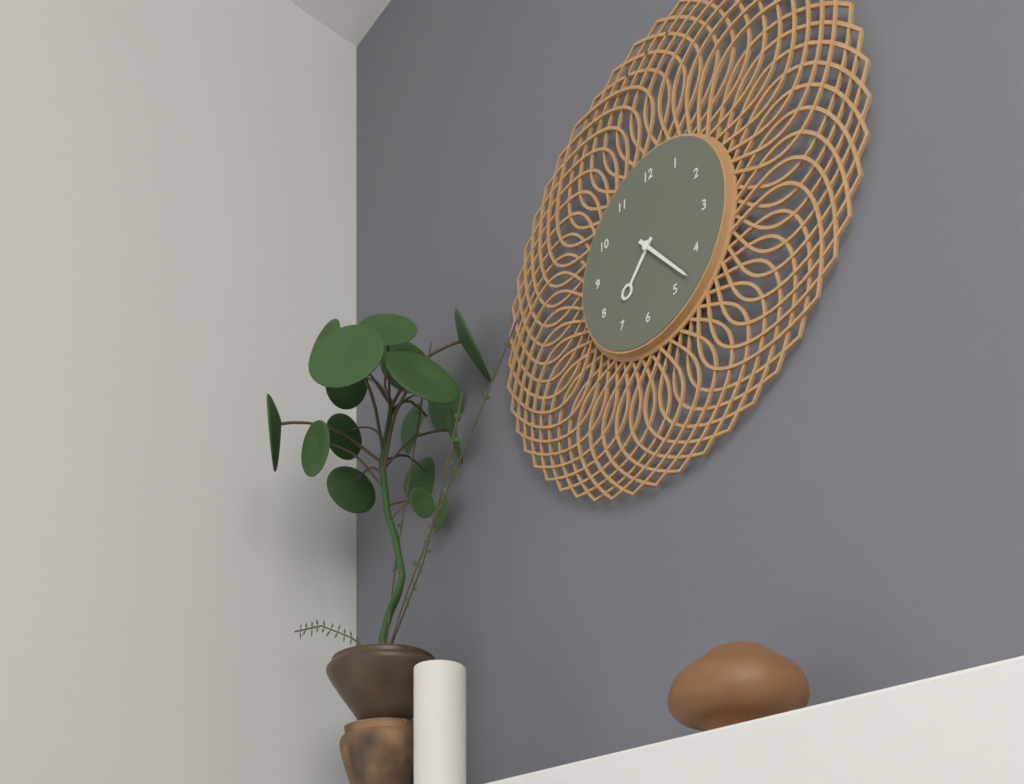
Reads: 7.23
